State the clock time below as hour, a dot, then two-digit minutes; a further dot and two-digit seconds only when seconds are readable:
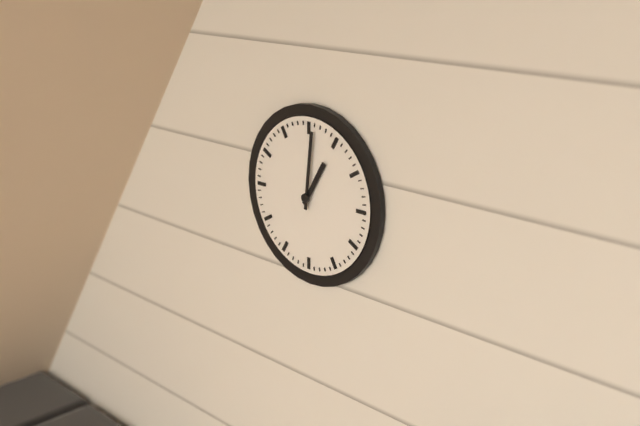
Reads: 1.01
